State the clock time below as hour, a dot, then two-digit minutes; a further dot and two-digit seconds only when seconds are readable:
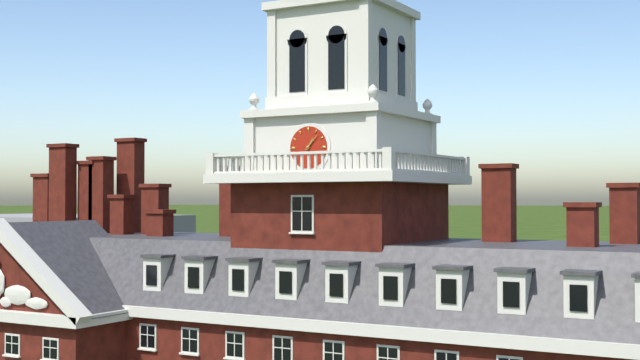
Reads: 1.07
